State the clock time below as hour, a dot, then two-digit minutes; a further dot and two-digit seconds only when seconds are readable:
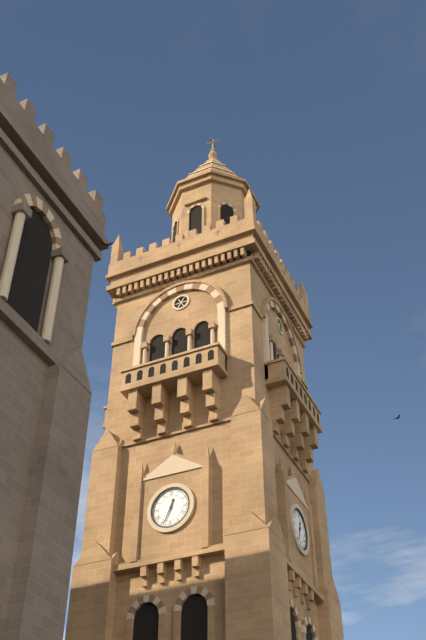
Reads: 12.34
